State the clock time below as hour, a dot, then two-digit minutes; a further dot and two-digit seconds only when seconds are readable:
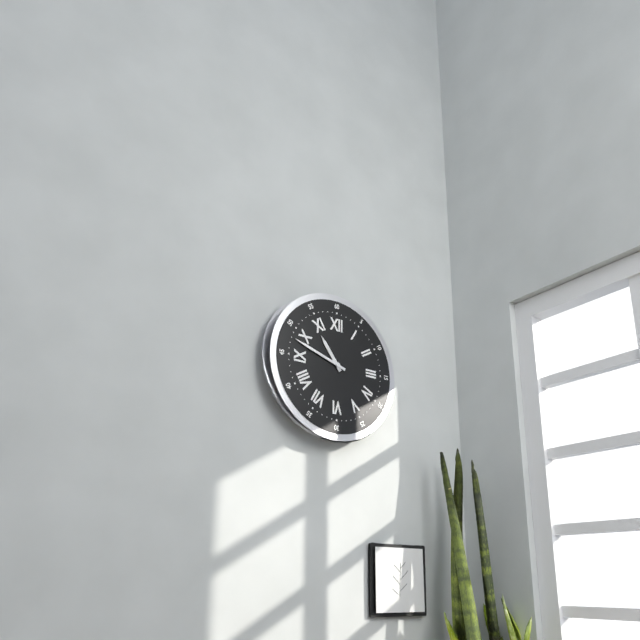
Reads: 10.48
